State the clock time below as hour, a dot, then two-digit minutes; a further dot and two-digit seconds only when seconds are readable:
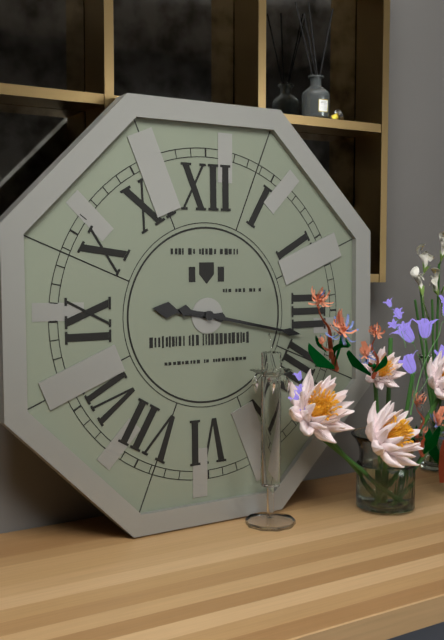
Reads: 9.17
